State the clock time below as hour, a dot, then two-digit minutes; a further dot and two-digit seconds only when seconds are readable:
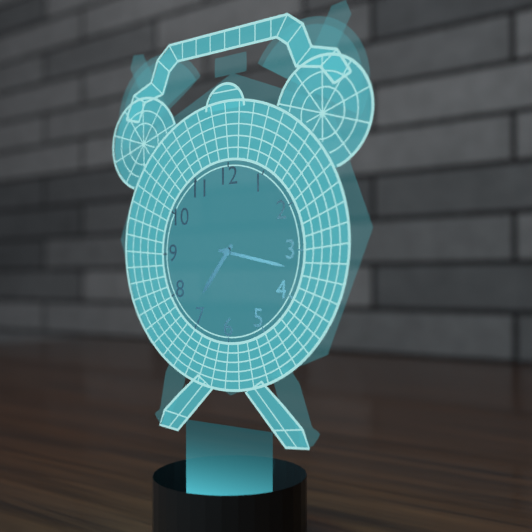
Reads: 7.17
